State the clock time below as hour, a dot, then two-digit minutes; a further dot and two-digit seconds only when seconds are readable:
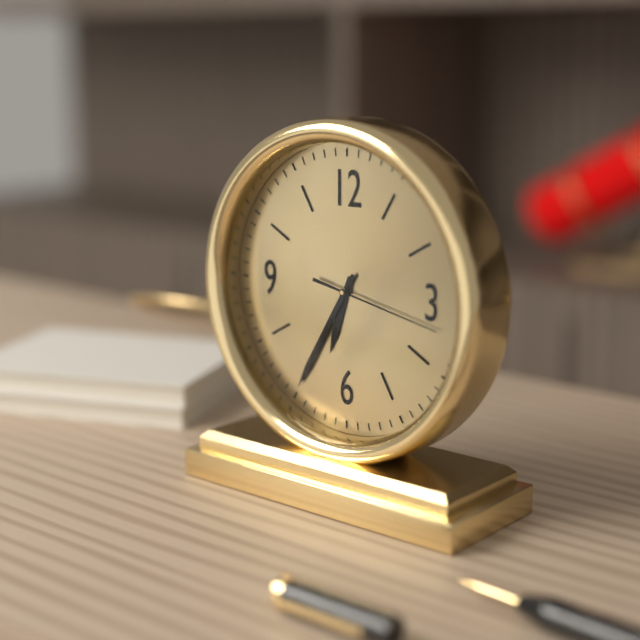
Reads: 6.35.17
